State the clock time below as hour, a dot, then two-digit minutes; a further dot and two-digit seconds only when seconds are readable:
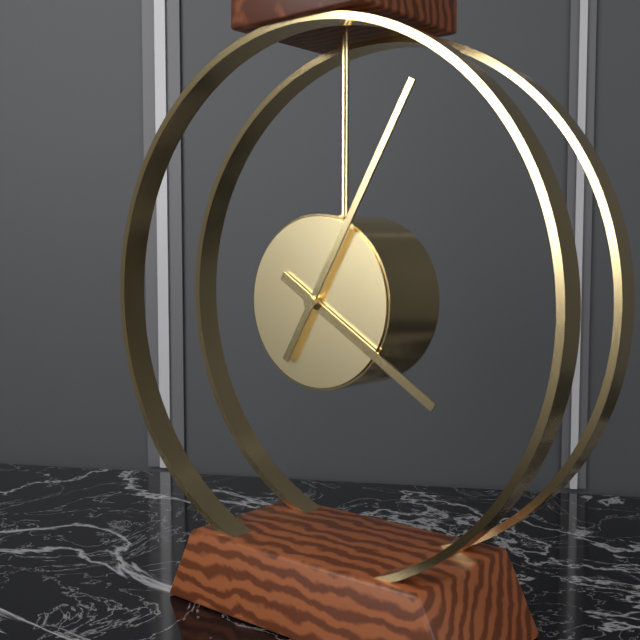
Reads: 4.05
